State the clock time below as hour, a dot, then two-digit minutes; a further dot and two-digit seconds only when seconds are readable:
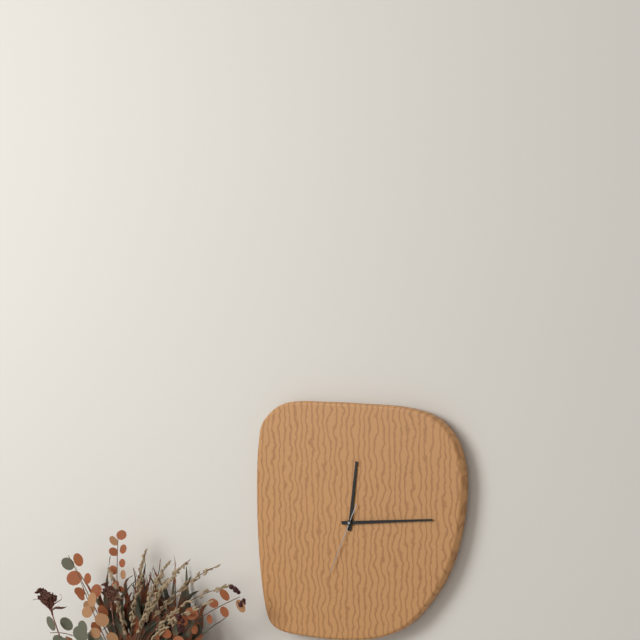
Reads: 12.14.34
